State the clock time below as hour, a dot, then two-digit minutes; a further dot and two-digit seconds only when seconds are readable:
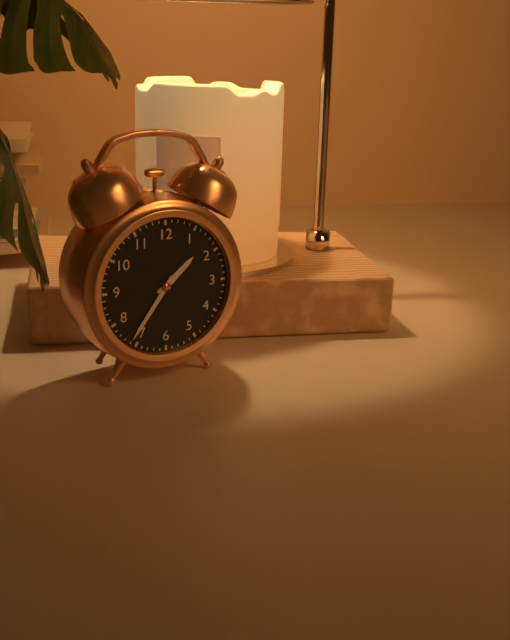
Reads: 1.36
